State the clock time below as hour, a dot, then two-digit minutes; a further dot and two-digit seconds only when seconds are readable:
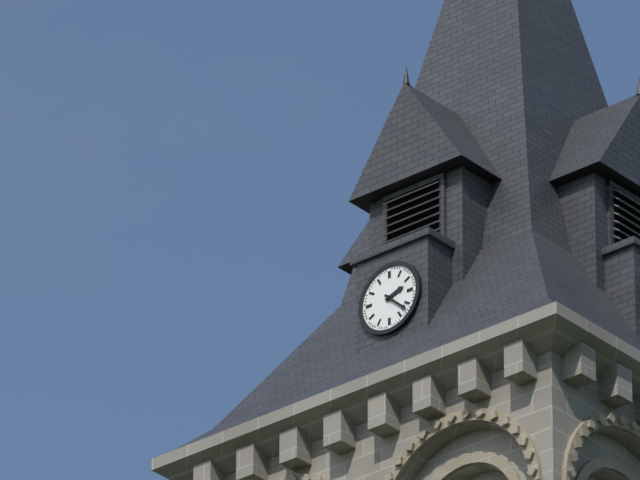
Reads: 2.22
